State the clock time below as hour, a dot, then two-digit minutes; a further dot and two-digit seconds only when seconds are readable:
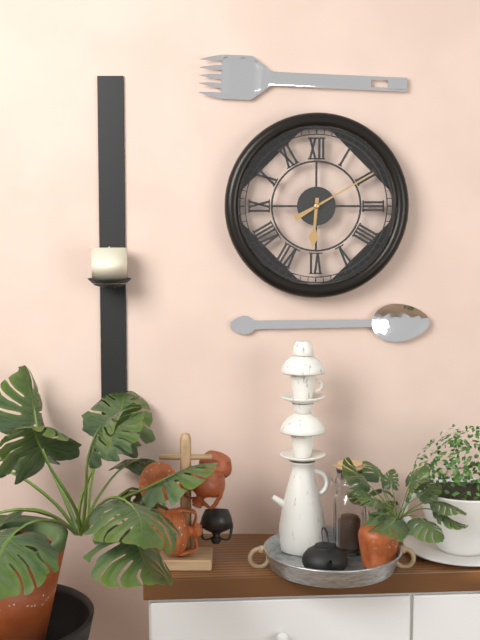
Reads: 6.10
